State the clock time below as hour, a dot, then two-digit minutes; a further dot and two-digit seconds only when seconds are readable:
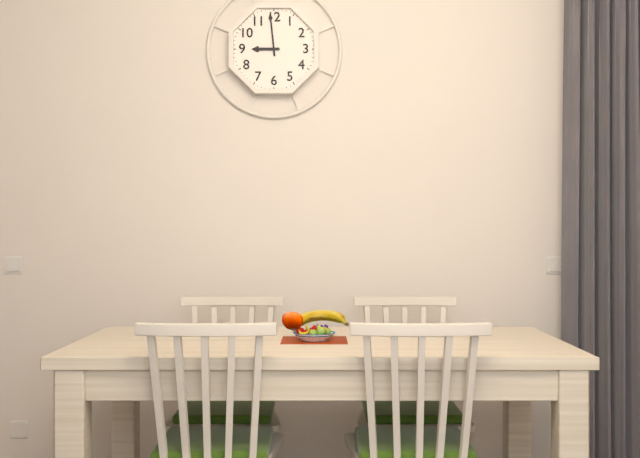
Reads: 8.59
